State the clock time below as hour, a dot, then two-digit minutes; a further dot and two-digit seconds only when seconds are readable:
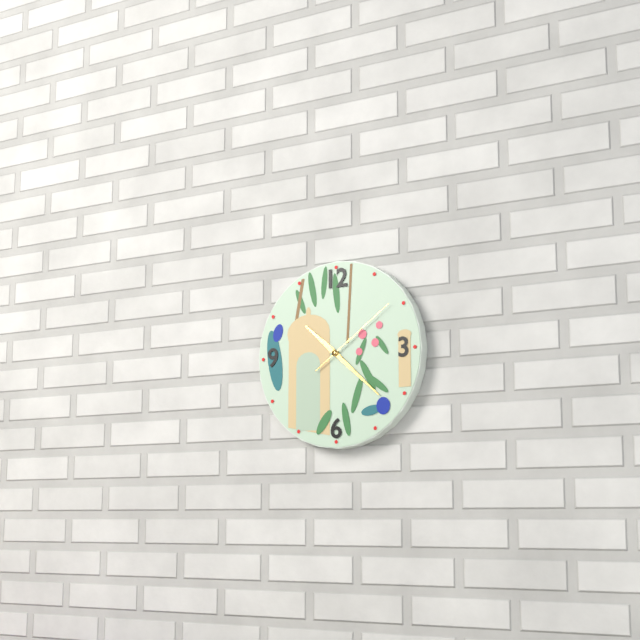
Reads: 10.22.09
